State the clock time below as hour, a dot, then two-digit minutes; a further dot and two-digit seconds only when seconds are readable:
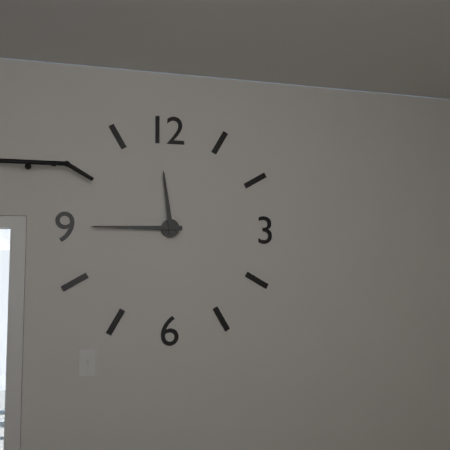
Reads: 11.45
